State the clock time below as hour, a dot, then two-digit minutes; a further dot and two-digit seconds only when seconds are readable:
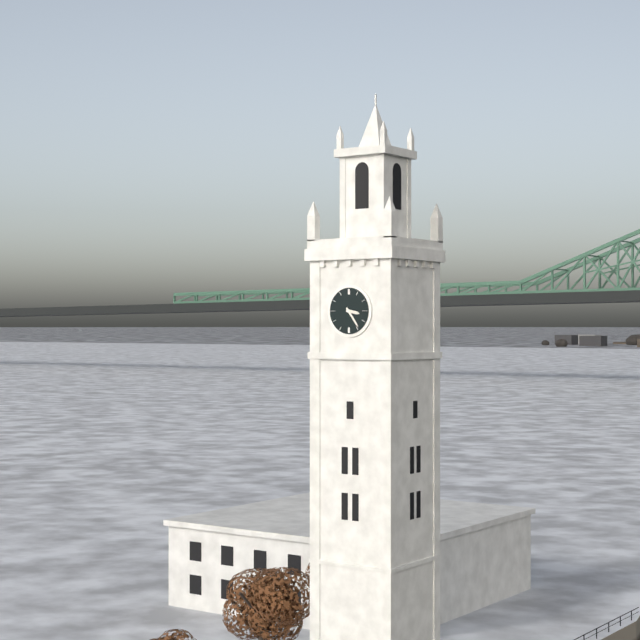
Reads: 3.24
